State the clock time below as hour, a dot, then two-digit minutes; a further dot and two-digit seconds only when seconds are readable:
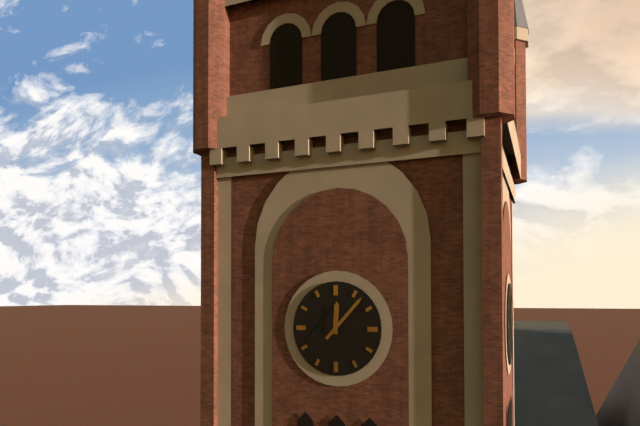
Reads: 12.07
